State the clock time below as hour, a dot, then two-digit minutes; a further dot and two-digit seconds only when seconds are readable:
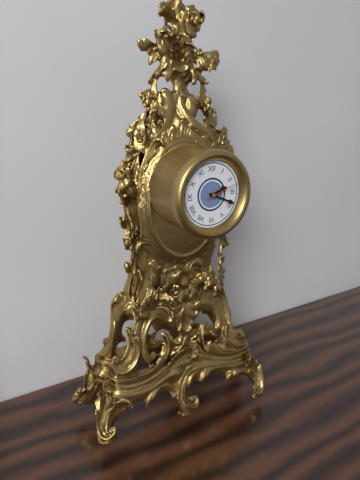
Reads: 2.19
